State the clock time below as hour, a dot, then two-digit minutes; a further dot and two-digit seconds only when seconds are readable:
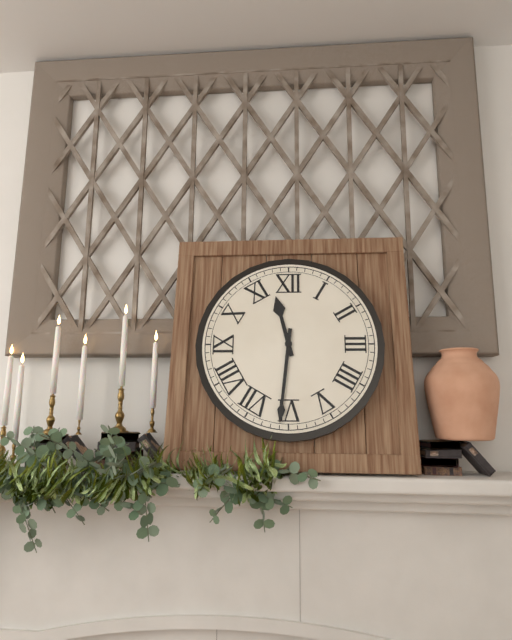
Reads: 11.31
